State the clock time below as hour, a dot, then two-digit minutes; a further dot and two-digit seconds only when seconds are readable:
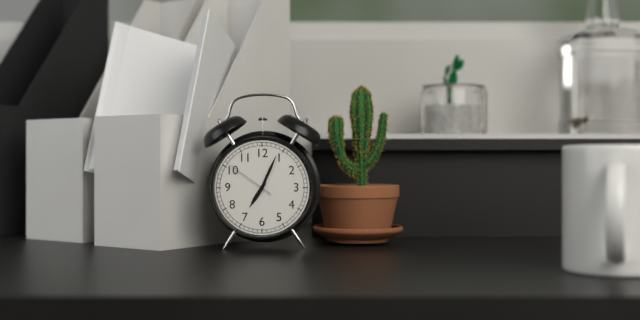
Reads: 7.04
